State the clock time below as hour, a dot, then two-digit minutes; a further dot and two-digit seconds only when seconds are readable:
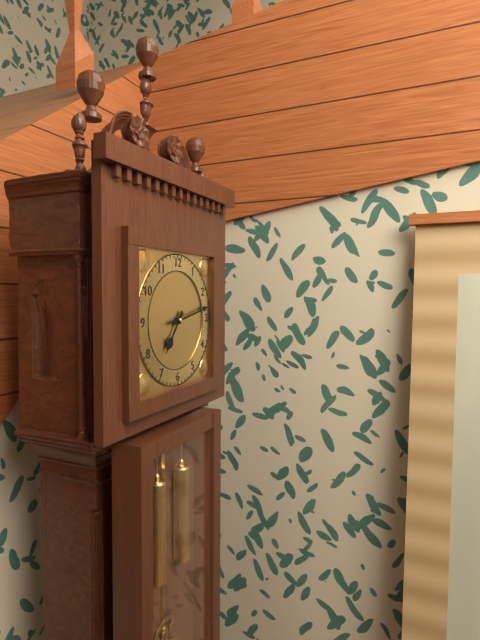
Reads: 7.13
